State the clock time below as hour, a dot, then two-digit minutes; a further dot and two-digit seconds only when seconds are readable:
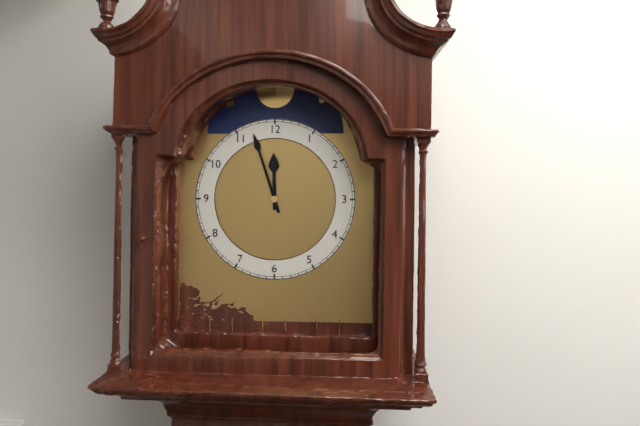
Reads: 11.57
